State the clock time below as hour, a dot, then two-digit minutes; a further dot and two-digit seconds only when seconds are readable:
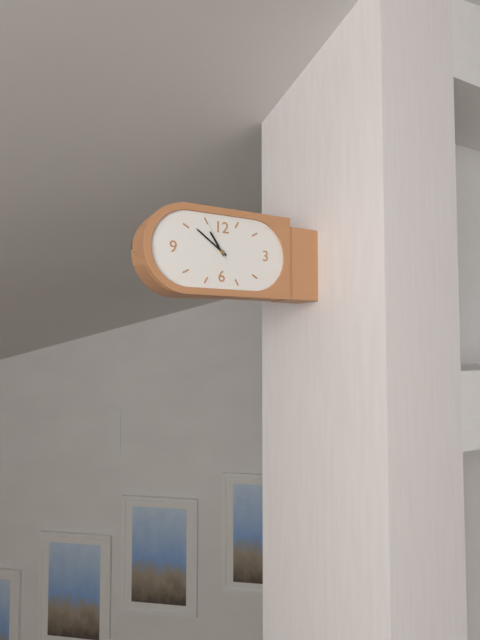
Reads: 10.51
